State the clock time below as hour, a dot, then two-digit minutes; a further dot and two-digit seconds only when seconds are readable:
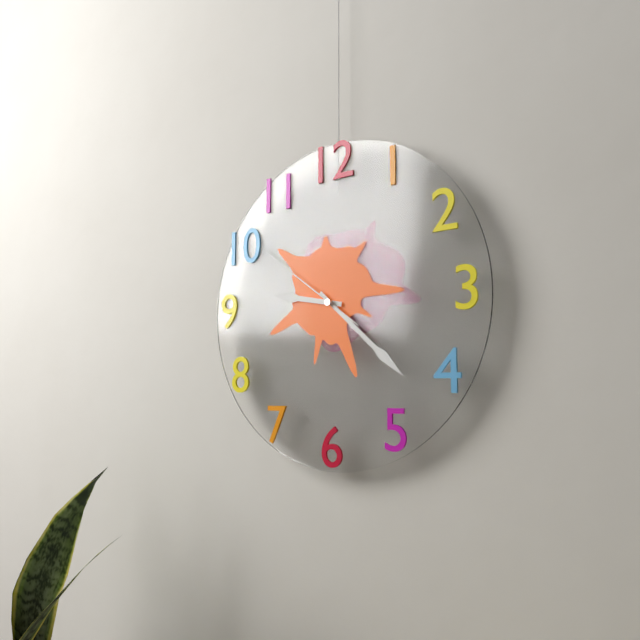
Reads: 9.22.51
